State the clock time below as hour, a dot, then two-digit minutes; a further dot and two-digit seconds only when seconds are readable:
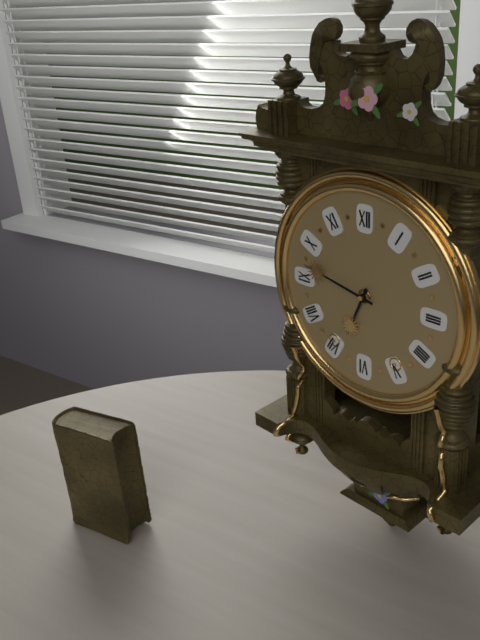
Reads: 6.47
